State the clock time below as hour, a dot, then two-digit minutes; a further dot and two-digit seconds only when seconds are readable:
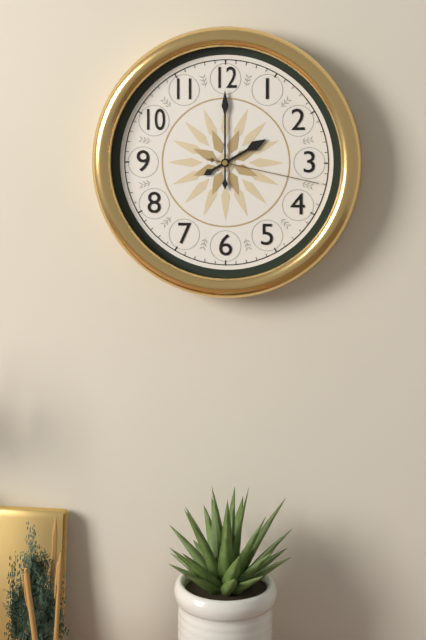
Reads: 2.00.17
